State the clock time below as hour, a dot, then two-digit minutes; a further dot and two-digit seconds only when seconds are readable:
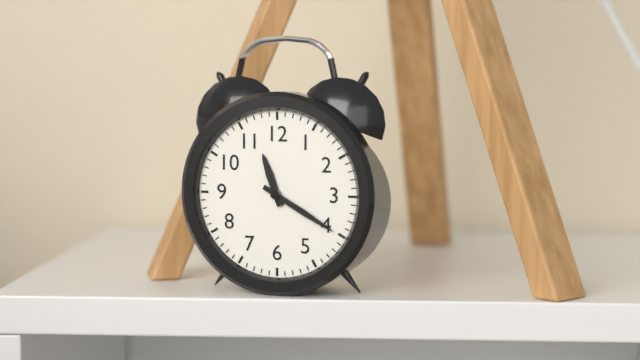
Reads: 11.20
